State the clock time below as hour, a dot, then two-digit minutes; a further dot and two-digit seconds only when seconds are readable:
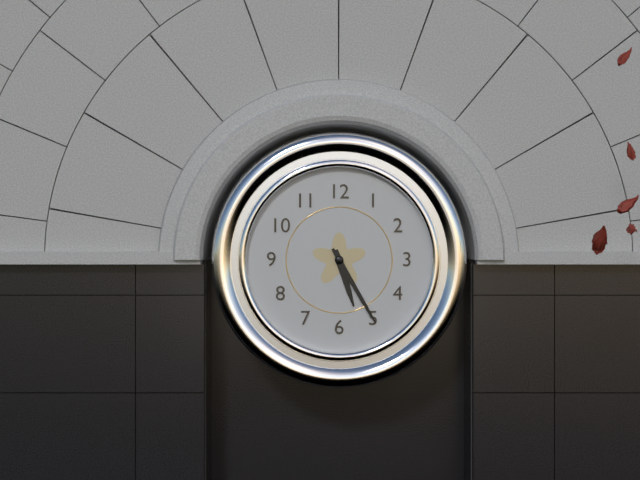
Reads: 5.25
